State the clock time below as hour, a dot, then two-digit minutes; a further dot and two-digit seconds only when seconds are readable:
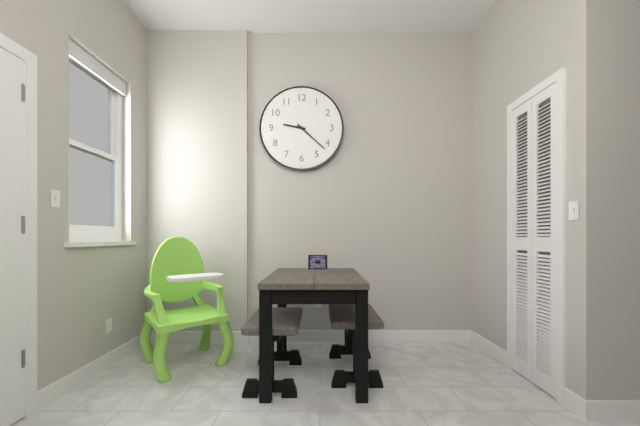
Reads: 9.22
